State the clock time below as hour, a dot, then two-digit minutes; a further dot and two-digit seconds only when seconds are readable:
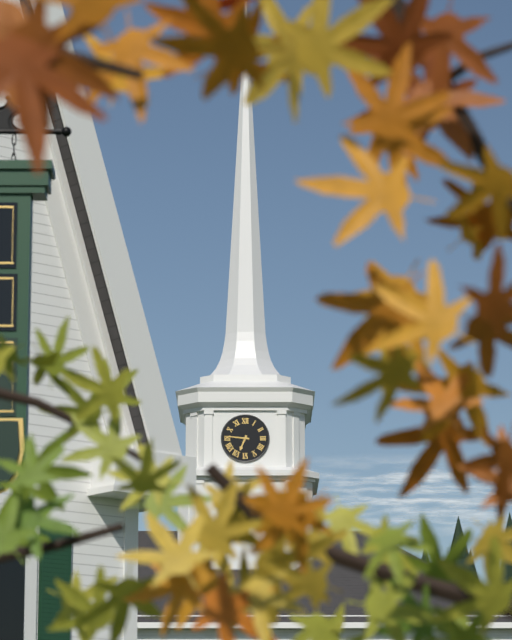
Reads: 6.46
